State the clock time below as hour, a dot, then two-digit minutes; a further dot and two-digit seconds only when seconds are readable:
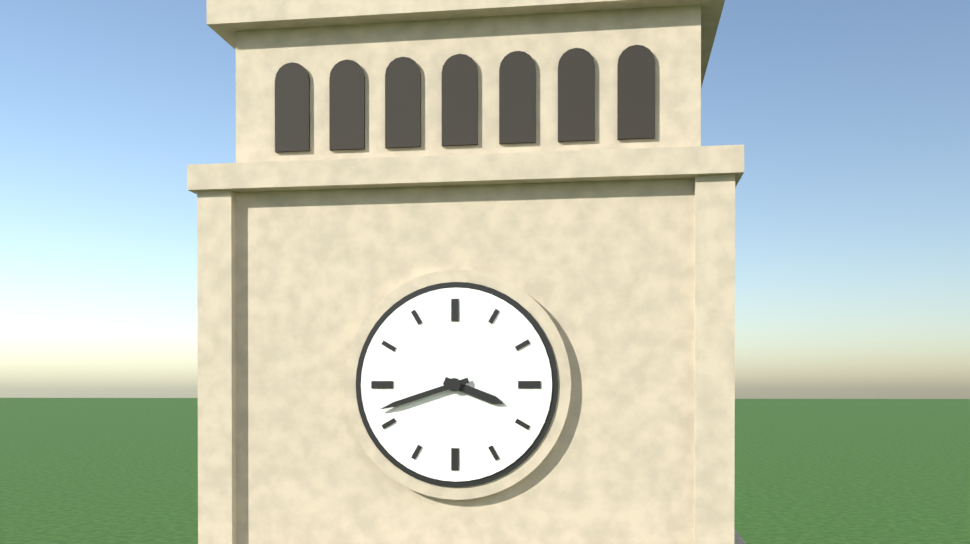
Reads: 3.42
